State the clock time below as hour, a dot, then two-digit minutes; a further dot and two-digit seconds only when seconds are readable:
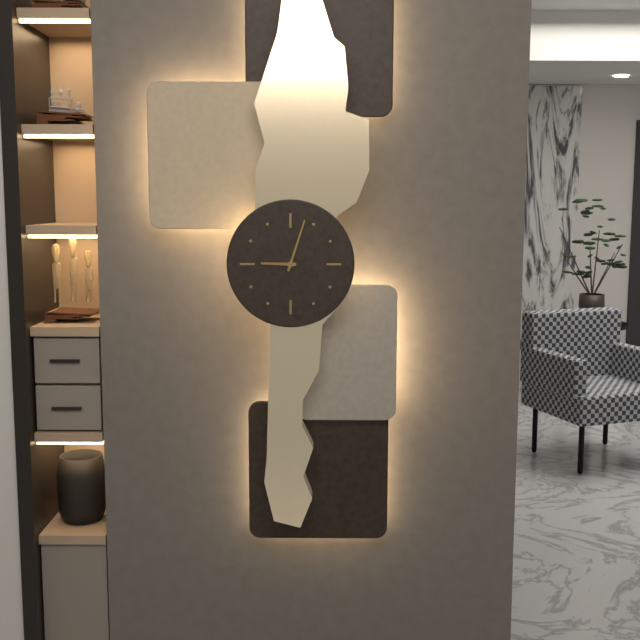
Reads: 9.03
